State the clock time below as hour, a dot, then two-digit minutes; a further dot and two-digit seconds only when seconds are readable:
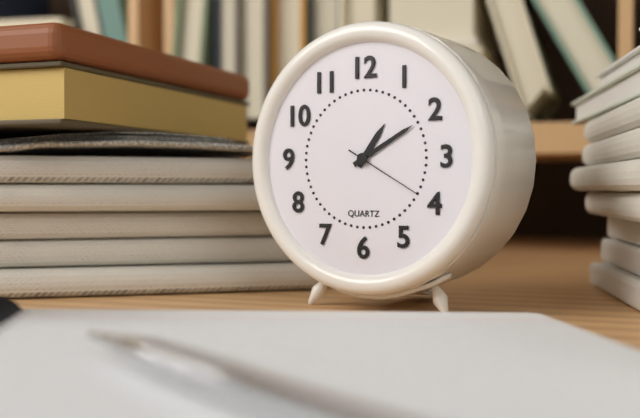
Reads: 1.10.20
